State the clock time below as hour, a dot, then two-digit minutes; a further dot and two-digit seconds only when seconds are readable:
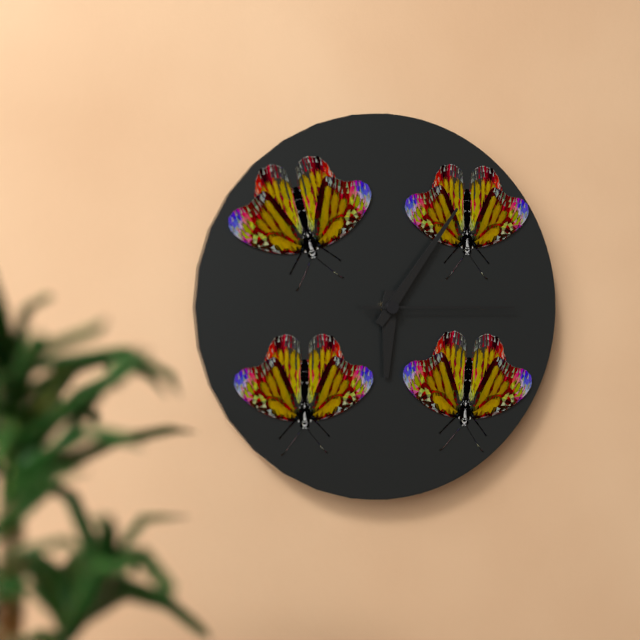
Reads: 6.06.15
